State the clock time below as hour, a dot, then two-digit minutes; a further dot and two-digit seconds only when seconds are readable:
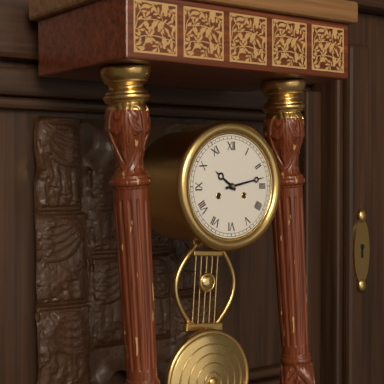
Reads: 10.13
